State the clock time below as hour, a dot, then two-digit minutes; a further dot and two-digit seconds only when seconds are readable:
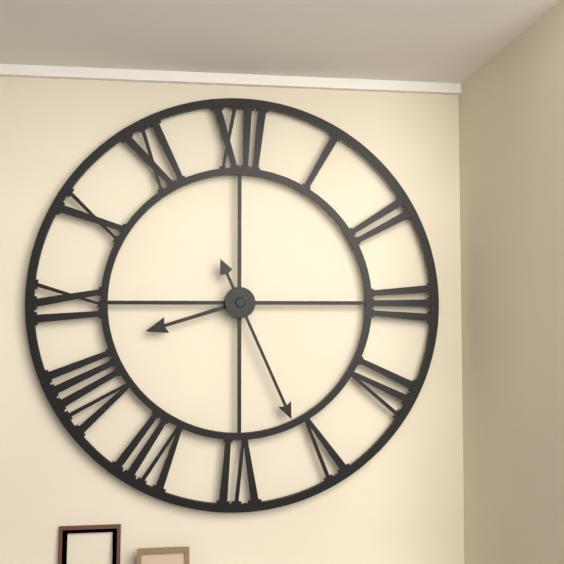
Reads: 8.26
